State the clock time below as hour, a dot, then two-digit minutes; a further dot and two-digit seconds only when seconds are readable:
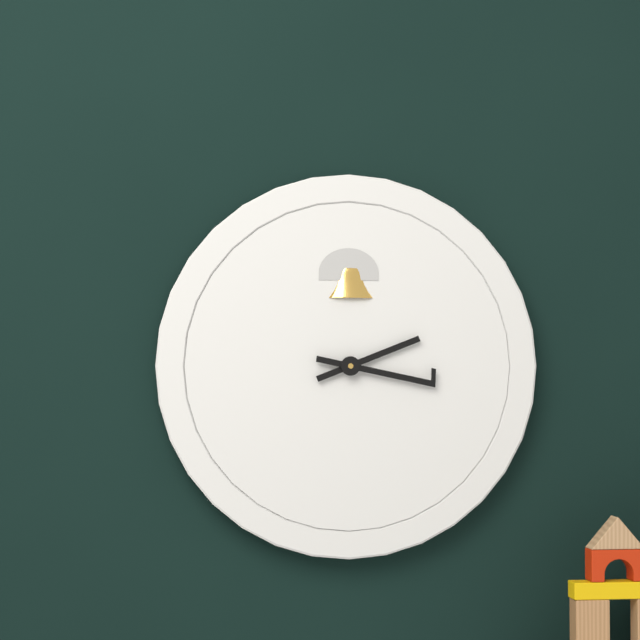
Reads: 2.17
